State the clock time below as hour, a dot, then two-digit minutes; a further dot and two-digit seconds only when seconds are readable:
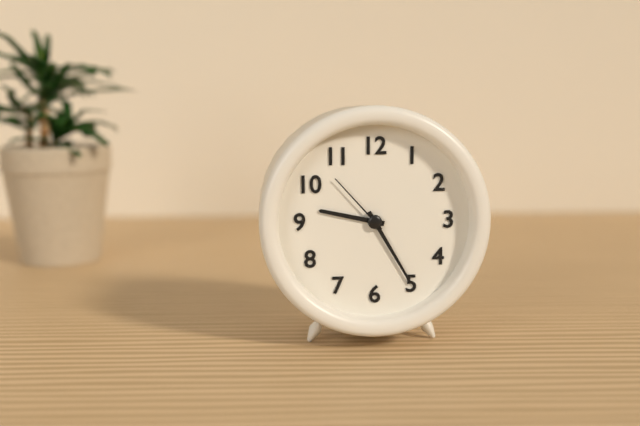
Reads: 9.25.53
